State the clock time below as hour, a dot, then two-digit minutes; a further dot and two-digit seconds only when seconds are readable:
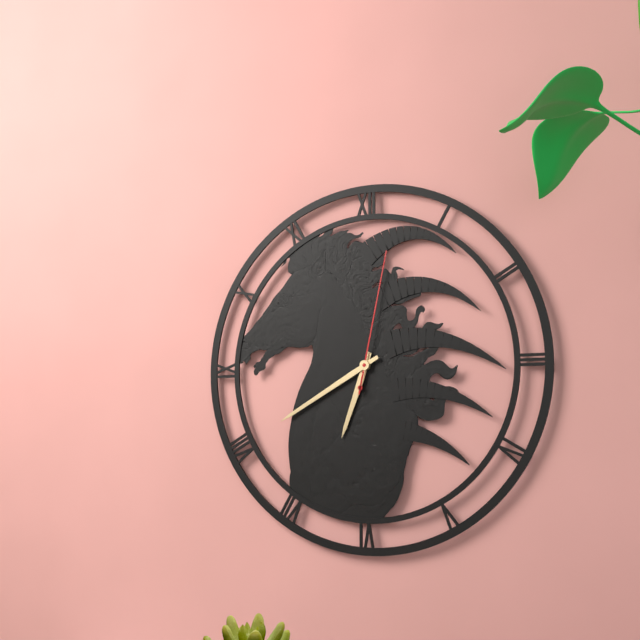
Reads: 6.40.02
